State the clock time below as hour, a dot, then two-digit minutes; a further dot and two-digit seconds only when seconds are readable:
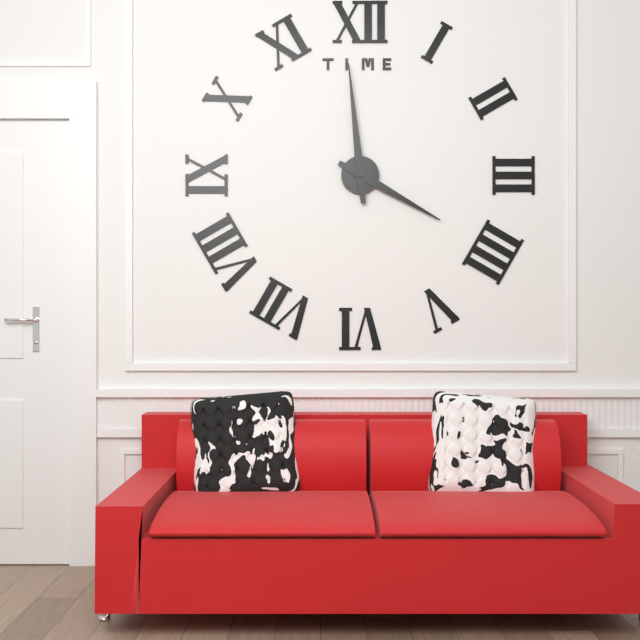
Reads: 3.59
